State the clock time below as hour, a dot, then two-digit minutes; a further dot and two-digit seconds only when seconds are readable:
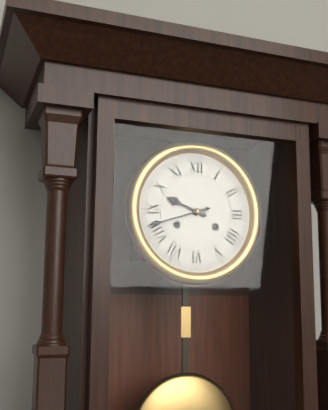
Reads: 9.42
